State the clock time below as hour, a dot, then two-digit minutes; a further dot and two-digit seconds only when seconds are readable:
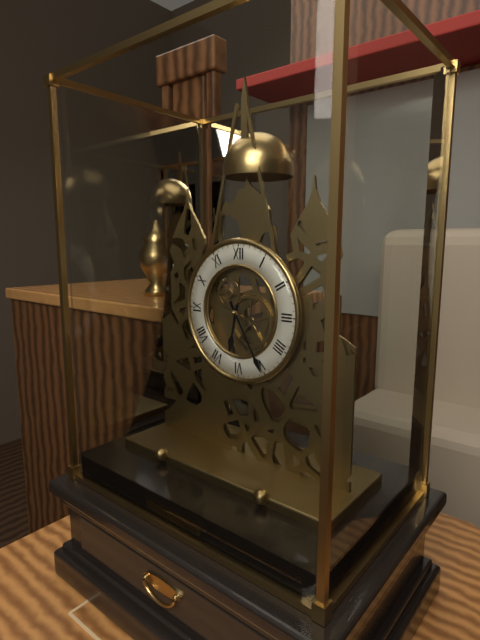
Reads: 6.25
